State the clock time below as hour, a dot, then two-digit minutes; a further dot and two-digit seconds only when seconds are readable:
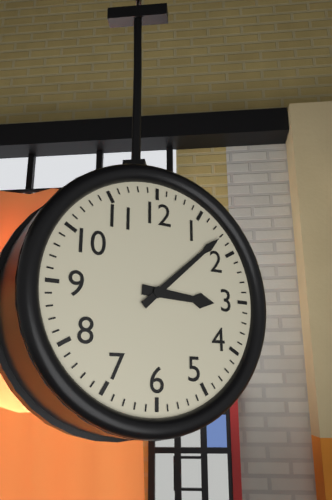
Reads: 3.08
